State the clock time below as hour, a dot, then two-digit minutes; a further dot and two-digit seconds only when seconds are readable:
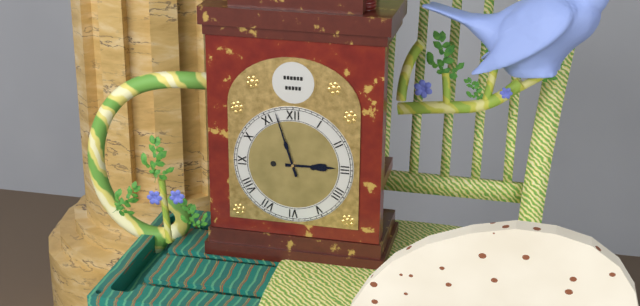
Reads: 2.57
